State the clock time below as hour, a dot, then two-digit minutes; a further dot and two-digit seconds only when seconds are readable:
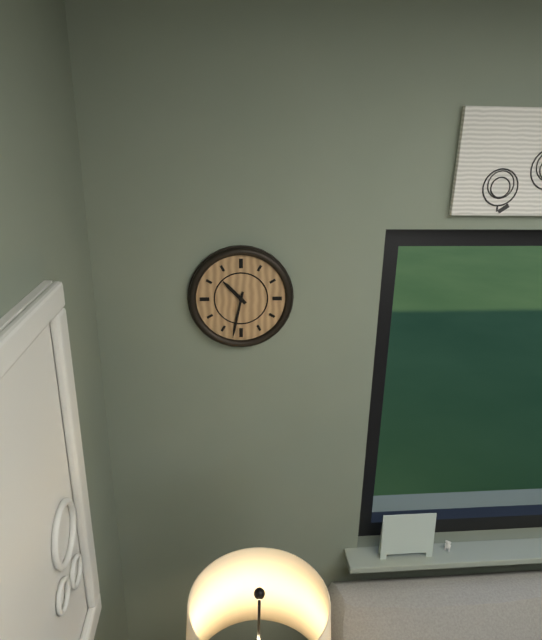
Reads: 10.32
